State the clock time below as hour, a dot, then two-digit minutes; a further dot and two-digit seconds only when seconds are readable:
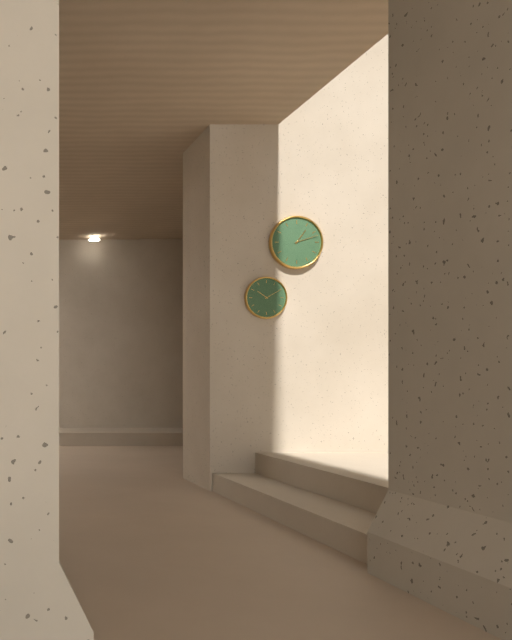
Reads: 1.12
